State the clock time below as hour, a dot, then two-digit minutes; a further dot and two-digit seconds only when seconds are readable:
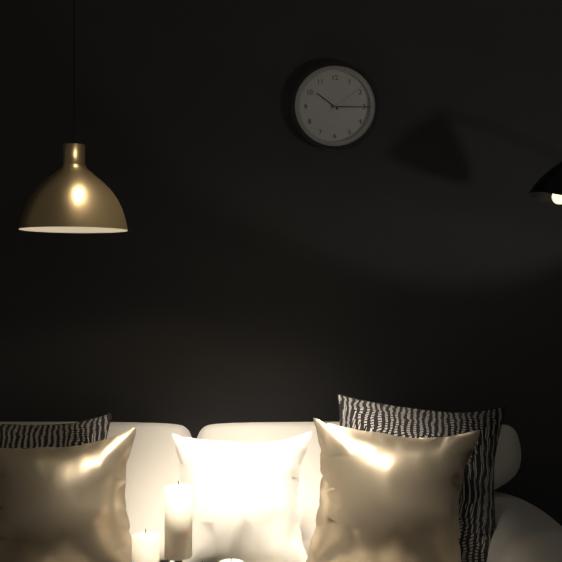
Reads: 10.15
